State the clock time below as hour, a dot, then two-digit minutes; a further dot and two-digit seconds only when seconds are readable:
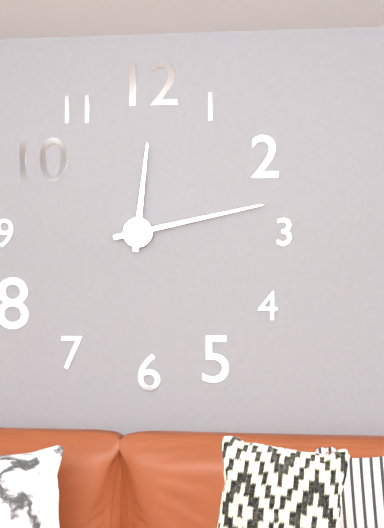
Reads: 12.13
